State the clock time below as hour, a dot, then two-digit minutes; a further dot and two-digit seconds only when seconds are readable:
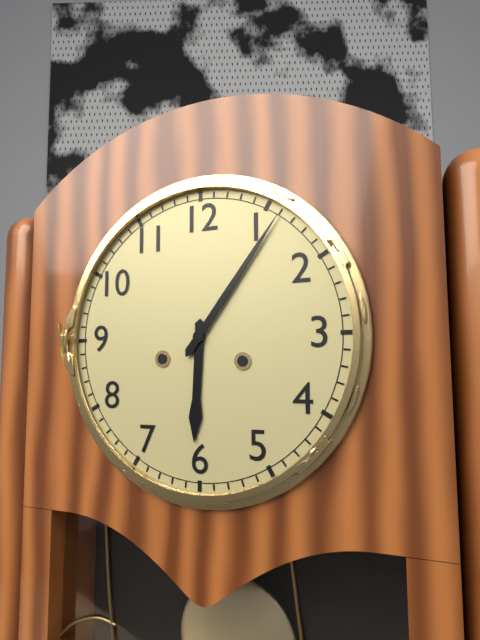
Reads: 6.06
